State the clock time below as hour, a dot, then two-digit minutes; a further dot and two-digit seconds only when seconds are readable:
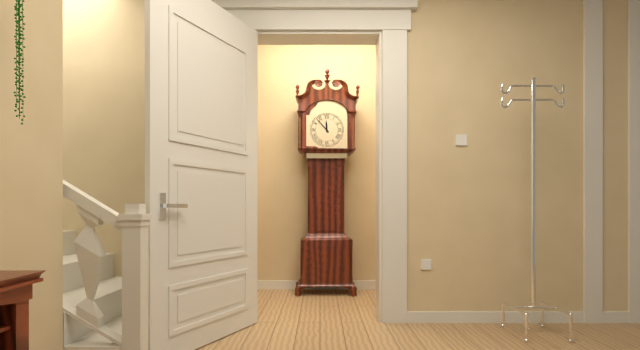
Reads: 11.53
